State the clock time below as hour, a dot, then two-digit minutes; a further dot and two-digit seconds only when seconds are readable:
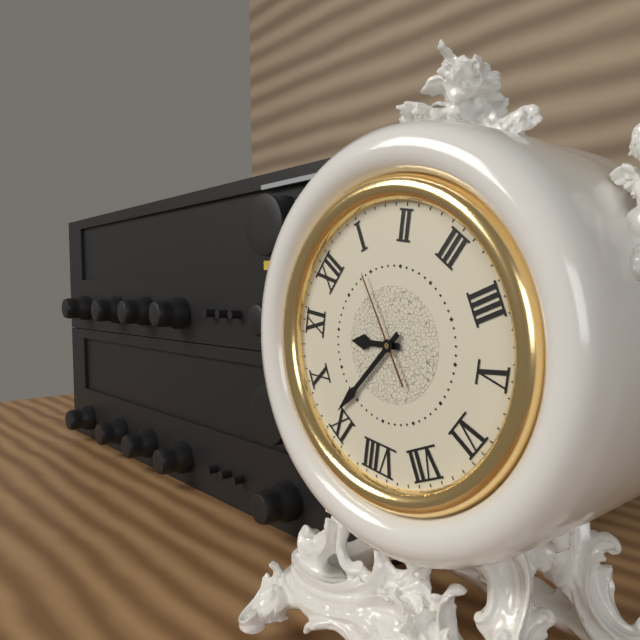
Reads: 10.46.04
